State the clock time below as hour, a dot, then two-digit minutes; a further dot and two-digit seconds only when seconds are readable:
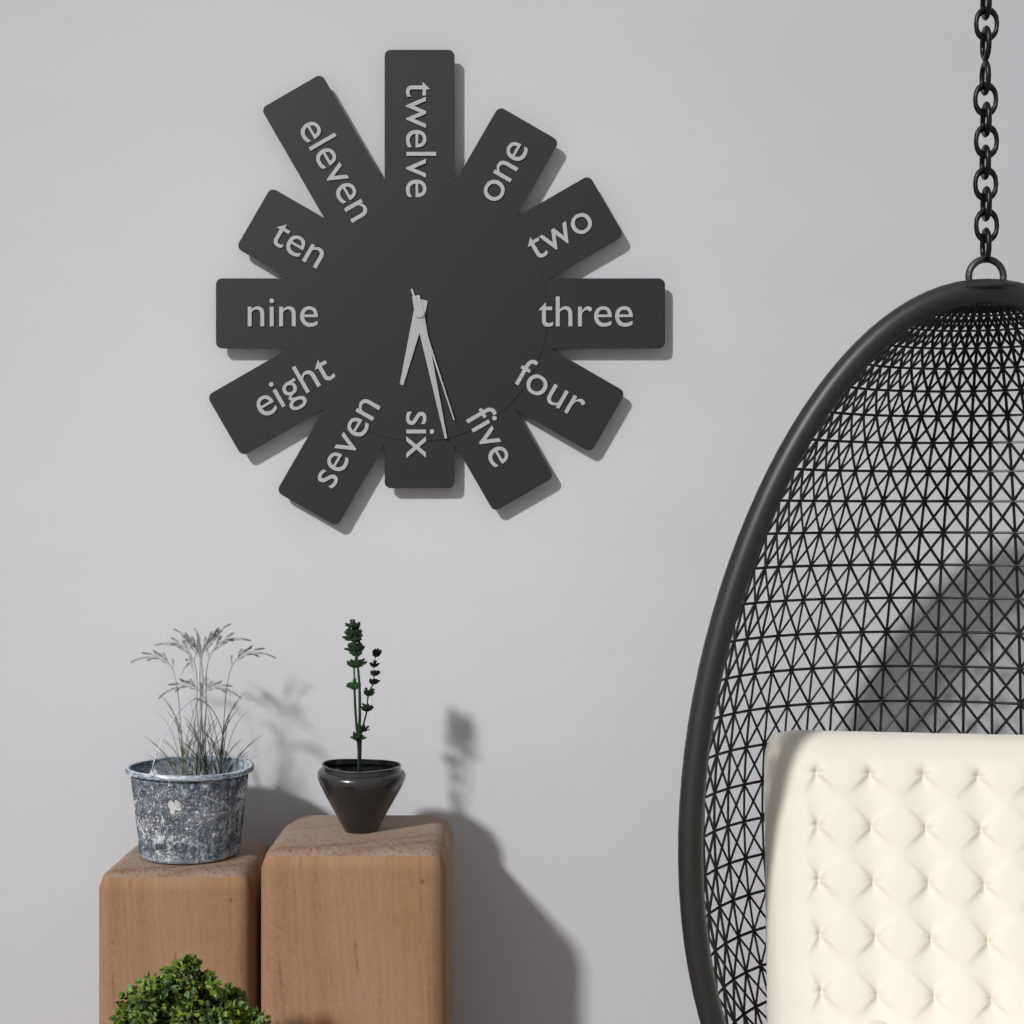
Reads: 6.28.27
